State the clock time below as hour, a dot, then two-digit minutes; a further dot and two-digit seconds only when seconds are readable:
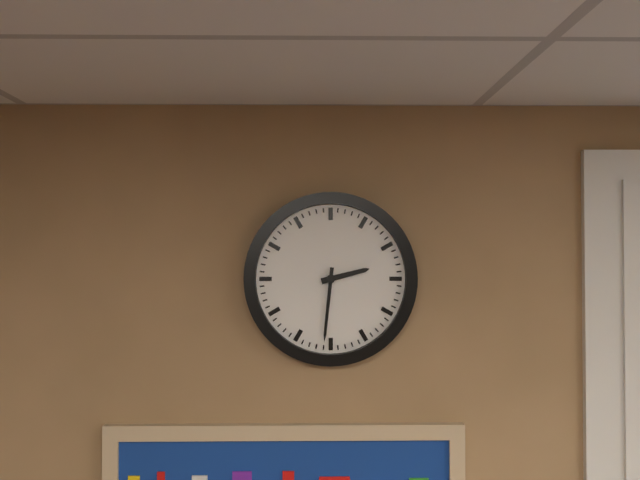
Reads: 2.31
